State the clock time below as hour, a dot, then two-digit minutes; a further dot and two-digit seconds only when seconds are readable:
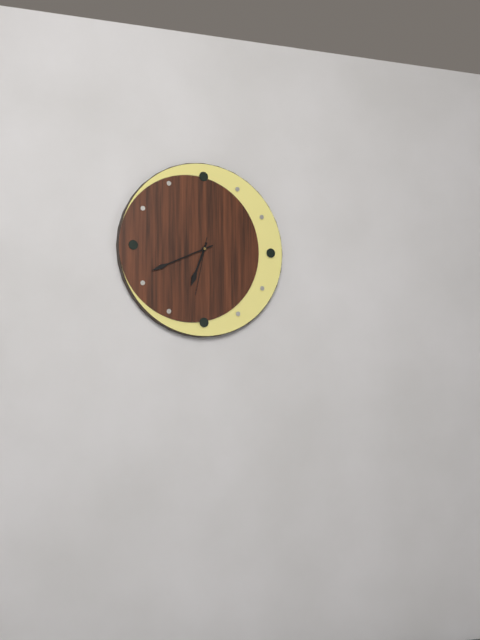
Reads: 6.41.32
